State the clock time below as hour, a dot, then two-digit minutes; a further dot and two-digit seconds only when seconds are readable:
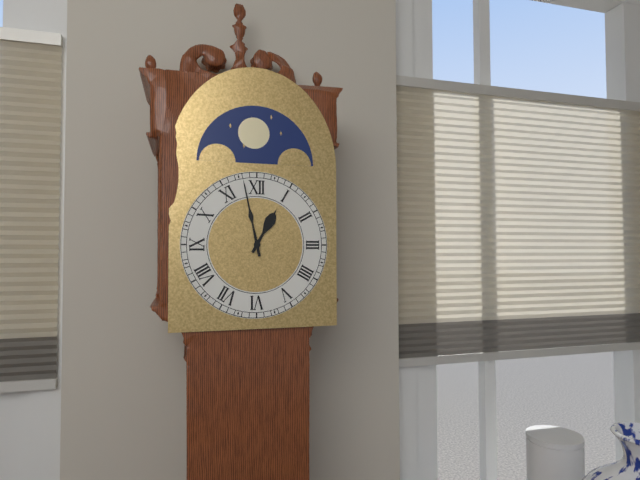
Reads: 12.58
